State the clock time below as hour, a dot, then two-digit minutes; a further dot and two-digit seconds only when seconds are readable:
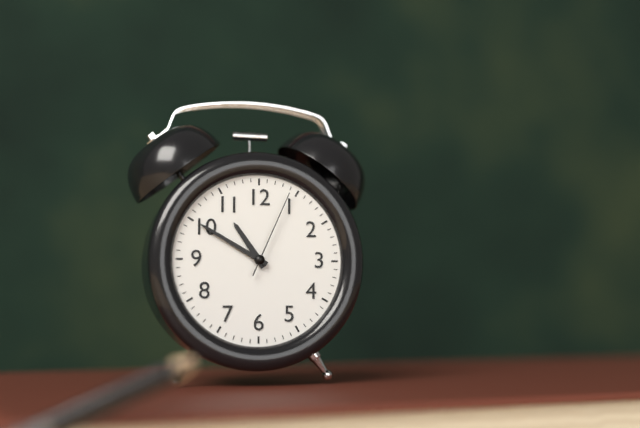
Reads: 10.50.04
